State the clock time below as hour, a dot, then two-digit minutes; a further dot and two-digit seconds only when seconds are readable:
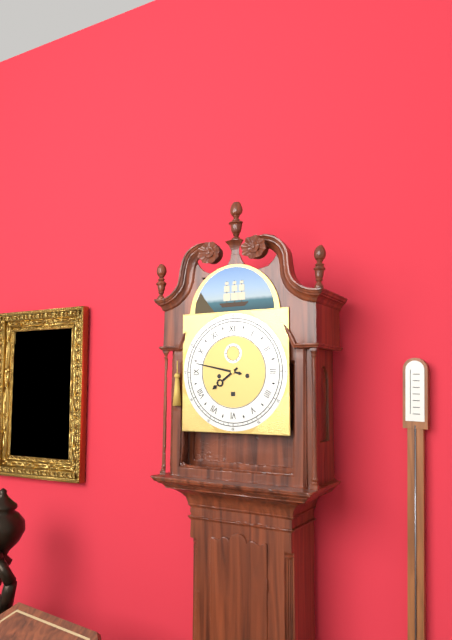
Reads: 7.47
